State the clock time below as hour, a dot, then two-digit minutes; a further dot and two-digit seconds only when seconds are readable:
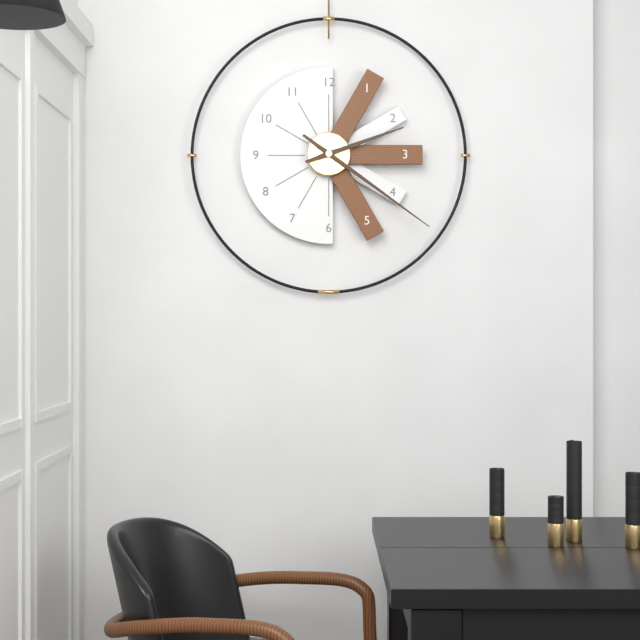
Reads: 2.21
